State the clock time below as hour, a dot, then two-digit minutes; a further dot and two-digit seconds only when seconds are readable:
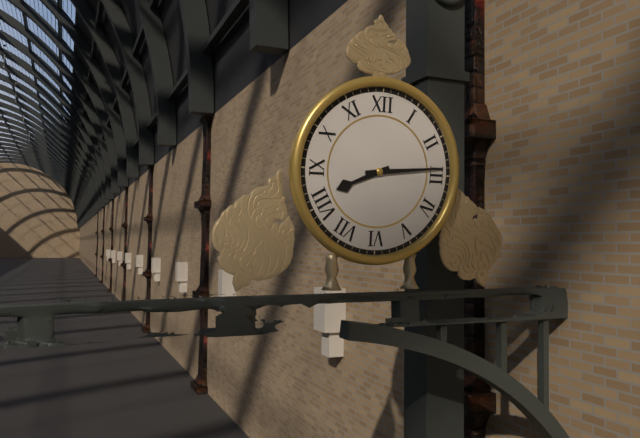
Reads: 8.14
